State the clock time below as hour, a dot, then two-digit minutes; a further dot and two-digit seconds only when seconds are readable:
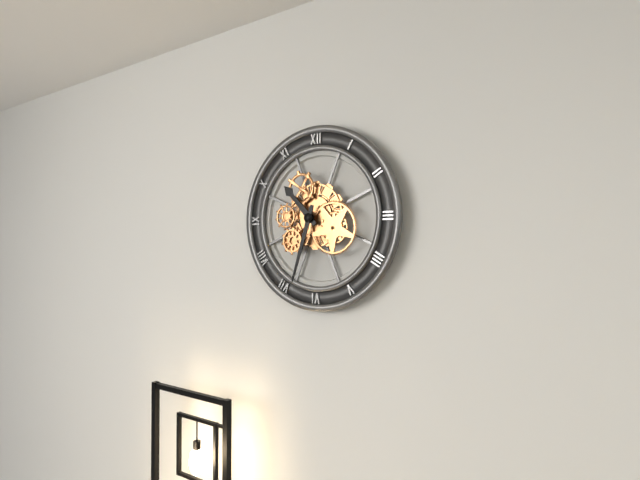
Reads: 10.33
